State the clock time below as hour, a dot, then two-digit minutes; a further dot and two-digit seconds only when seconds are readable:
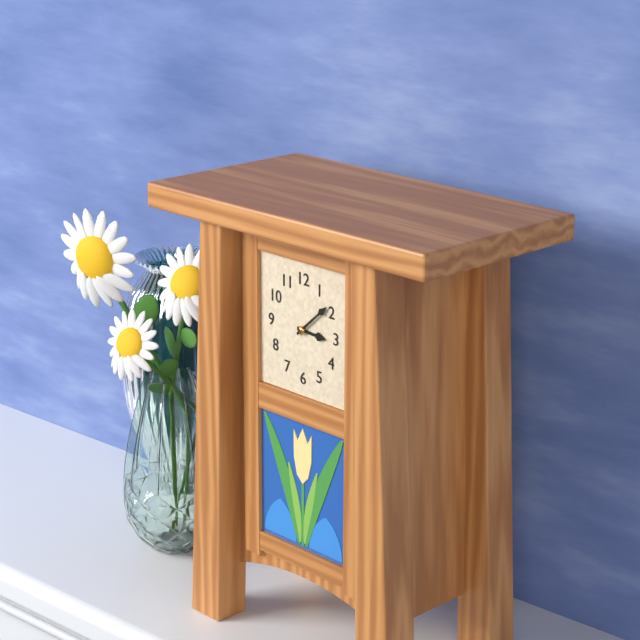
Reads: 3.08
